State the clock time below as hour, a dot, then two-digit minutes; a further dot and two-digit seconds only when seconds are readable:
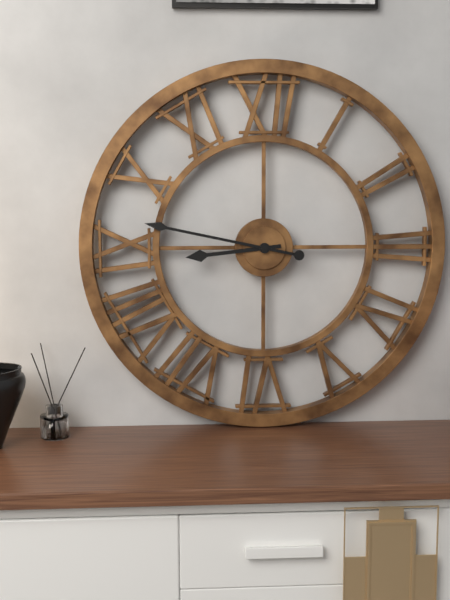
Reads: 8.47
